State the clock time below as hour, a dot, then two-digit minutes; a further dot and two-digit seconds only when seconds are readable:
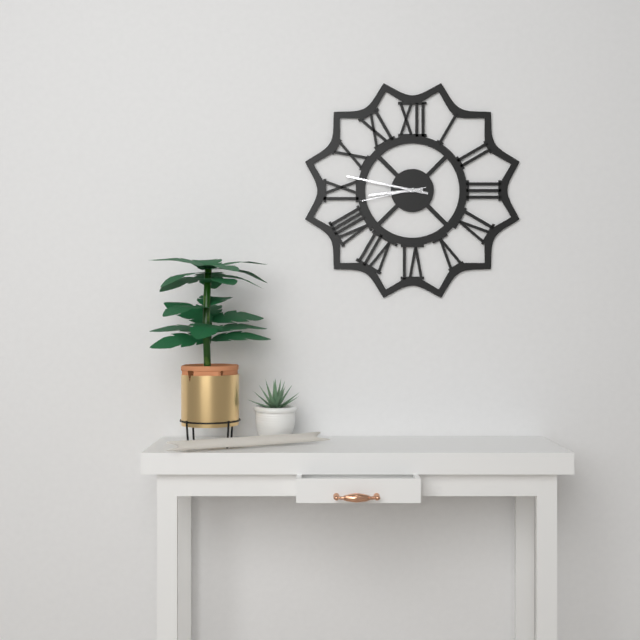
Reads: 8.47.43
